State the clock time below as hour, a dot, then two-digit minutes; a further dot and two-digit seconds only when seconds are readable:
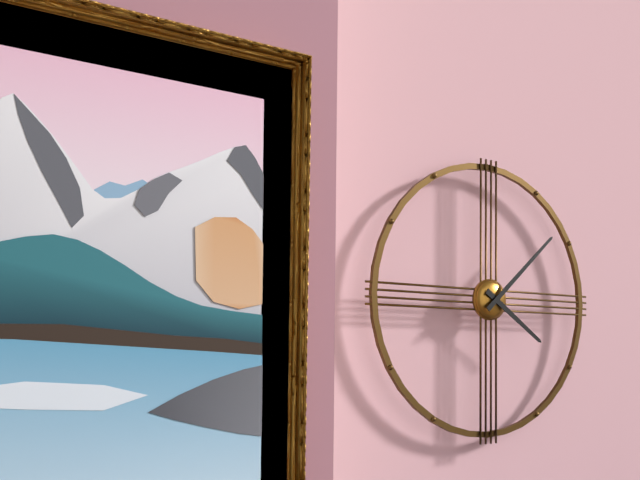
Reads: 4.08
